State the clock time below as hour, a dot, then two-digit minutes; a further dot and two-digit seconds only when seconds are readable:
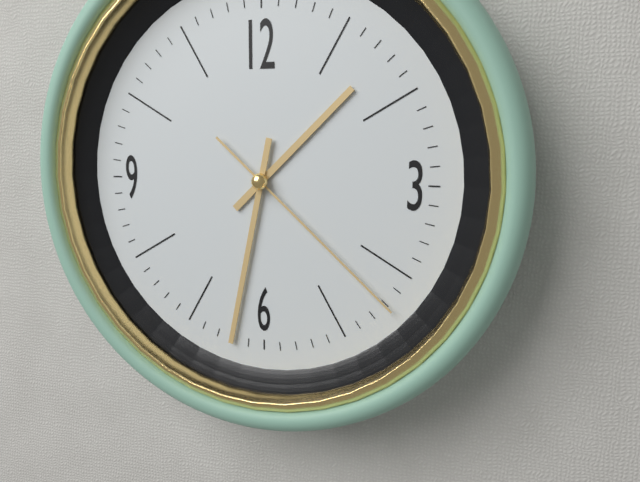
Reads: 1.32.22
